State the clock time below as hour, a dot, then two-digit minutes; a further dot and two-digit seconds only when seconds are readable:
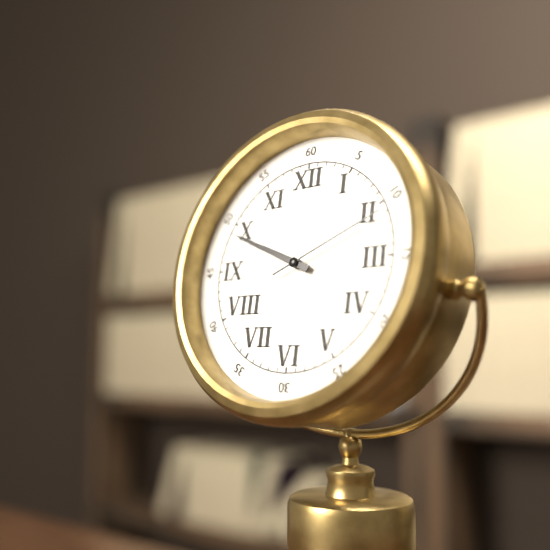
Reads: 9.49.11
